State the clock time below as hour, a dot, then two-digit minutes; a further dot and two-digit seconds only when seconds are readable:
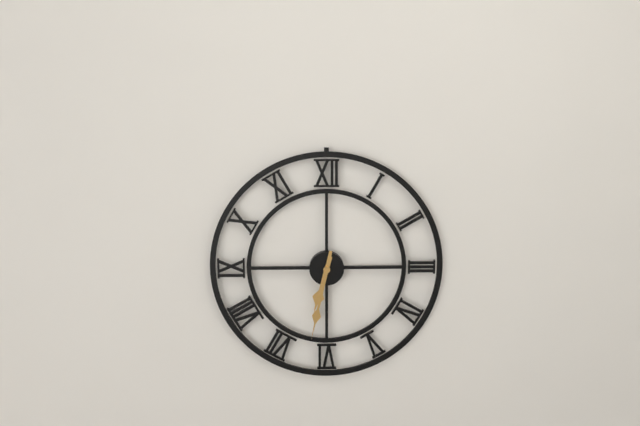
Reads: 6.32
